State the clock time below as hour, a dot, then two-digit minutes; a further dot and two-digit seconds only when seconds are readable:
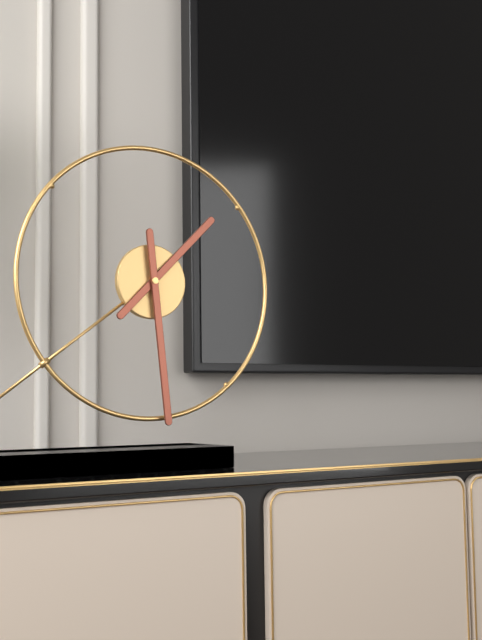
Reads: 1.29
